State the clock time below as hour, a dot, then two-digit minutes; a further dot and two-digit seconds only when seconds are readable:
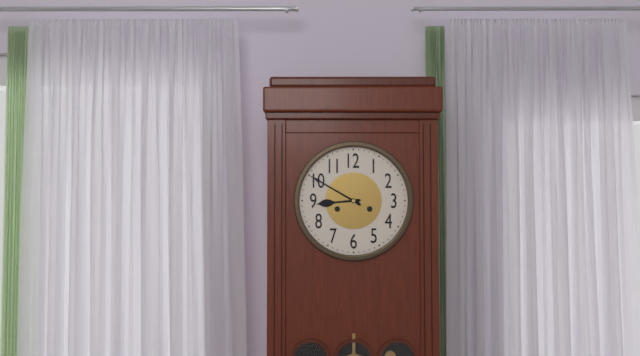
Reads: 8.50
